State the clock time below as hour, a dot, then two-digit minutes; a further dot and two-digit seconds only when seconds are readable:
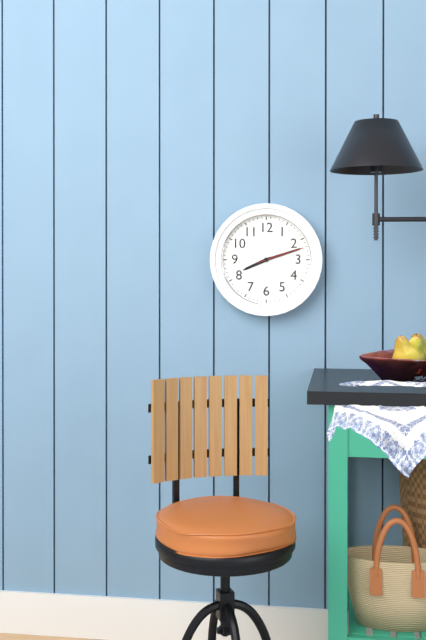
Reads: 8.12.12
